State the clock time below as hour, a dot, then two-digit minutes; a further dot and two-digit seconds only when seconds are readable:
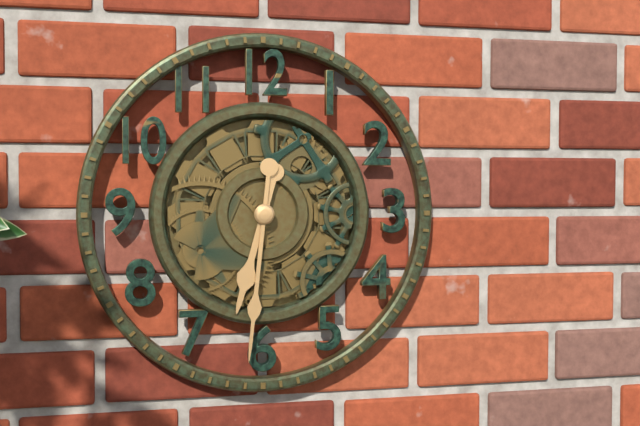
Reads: 6.31
